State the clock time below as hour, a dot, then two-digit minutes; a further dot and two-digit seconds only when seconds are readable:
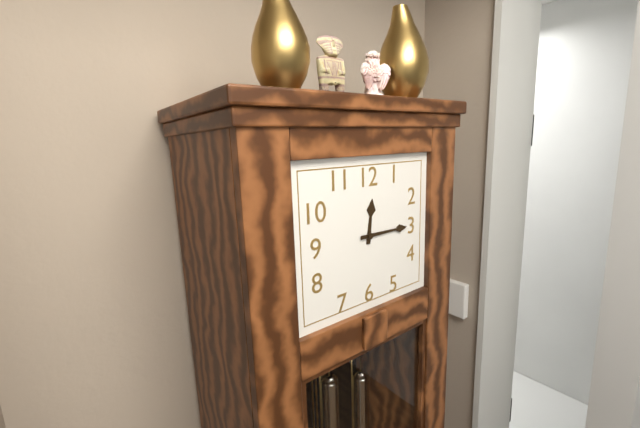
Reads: 12.15
